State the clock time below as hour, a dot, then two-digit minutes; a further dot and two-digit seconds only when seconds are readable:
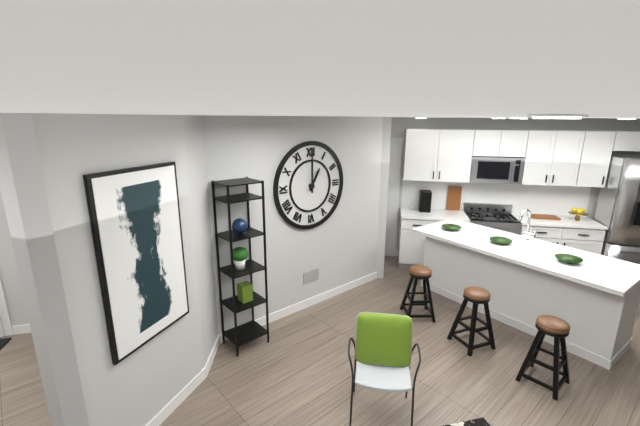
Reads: 1.00
